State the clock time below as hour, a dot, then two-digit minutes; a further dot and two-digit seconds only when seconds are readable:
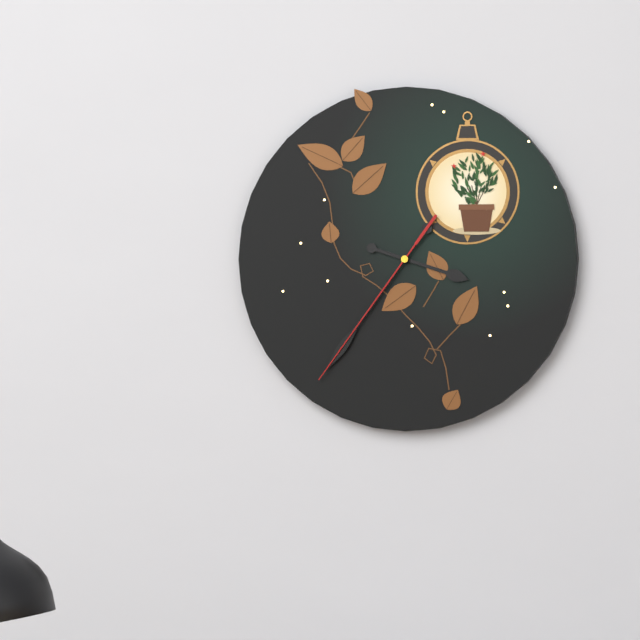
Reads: 3.36.36
